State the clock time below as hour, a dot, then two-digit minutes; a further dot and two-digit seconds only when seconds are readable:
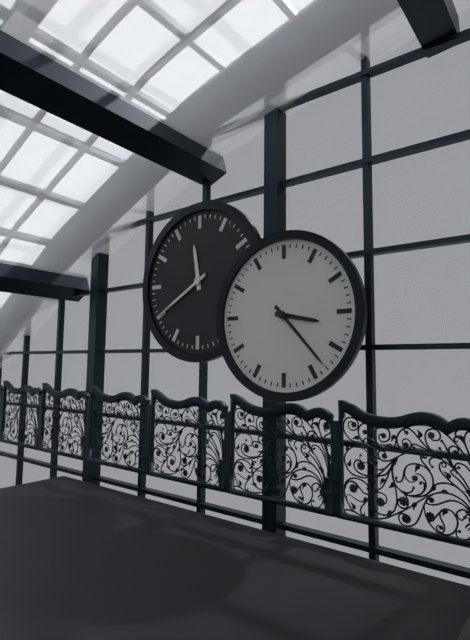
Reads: 3.23
